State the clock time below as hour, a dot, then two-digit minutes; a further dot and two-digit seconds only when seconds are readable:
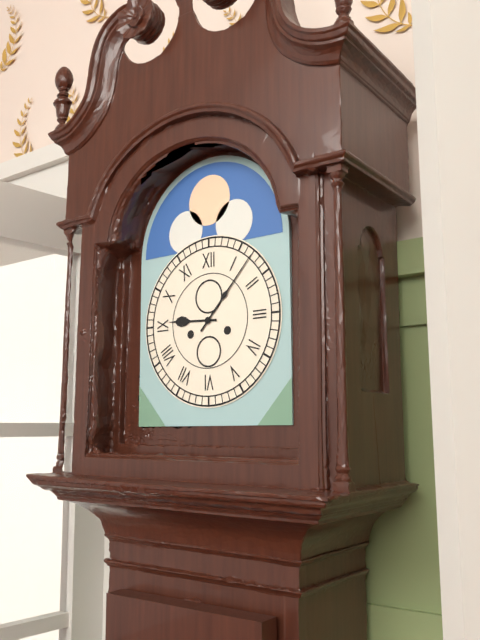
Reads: 9.07
